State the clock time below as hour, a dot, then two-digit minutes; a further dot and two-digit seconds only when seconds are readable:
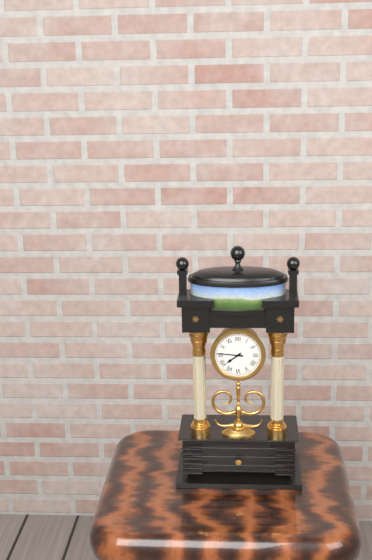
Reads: 7.46
